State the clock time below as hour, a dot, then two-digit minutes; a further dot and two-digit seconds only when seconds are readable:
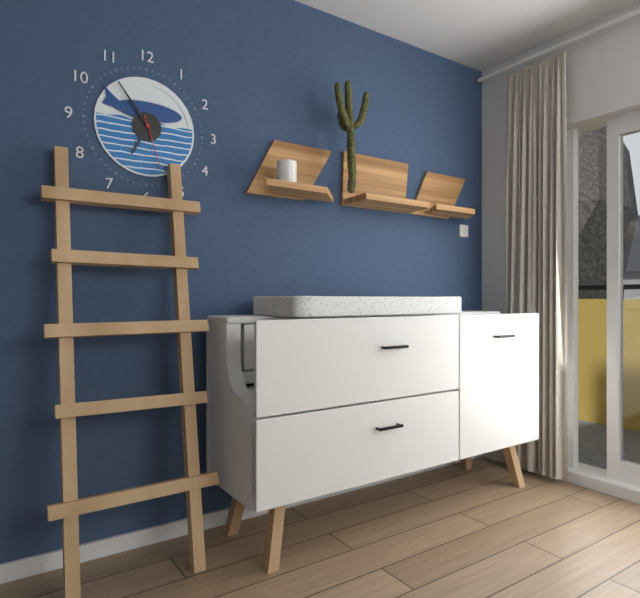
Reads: 6.54.27
